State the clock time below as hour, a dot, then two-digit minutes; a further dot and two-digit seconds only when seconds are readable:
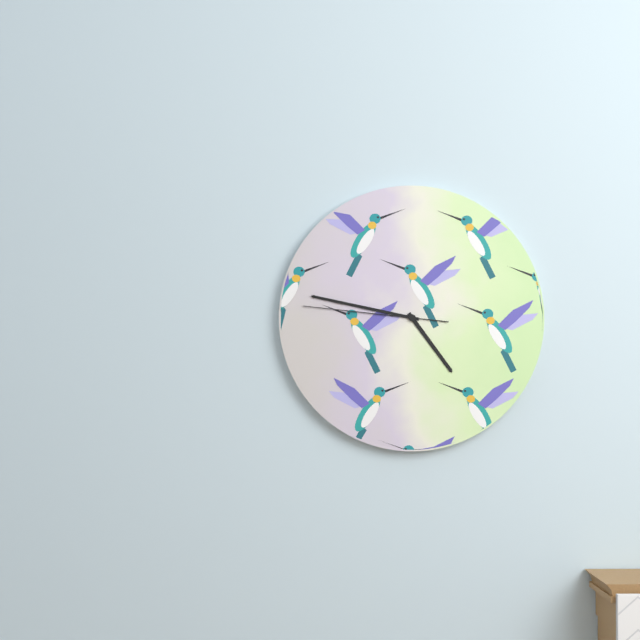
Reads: 4.47.46
